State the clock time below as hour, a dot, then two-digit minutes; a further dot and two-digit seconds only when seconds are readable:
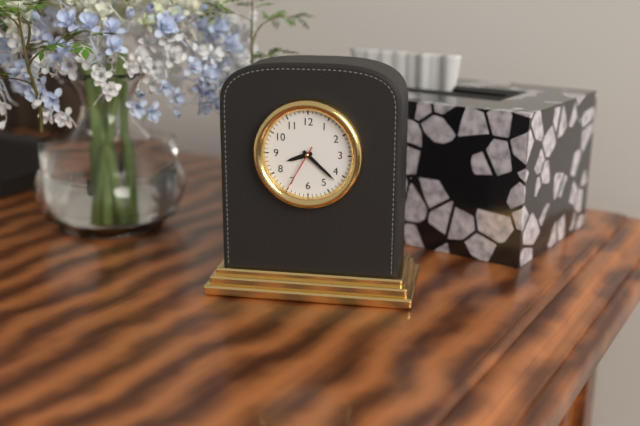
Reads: 8.22
